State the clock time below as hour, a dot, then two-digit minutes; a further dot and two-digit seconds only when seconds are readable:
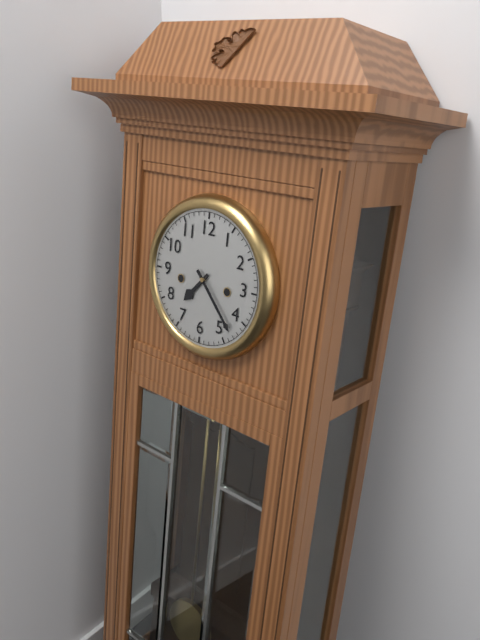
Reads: 7.23
